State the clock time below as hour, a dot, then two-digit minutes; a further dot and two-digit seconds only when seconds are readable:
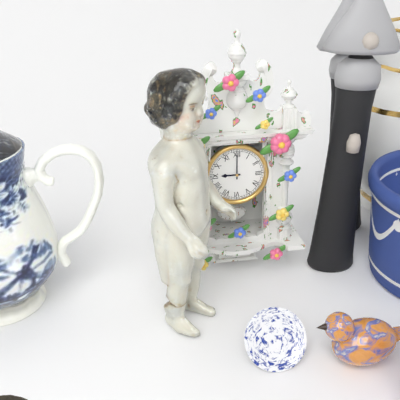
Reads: 9.00
